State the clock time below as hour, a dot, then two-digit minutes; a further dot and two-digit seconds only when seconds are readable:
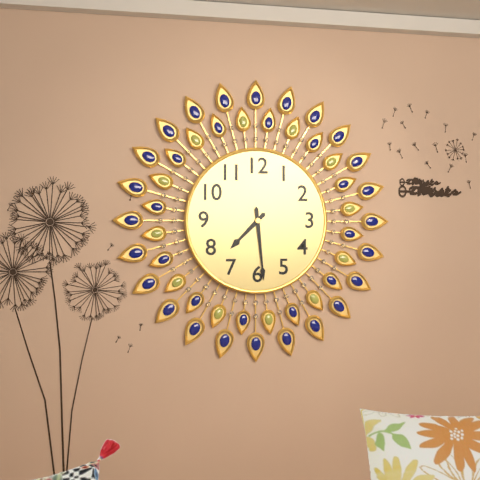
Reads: 7.29
